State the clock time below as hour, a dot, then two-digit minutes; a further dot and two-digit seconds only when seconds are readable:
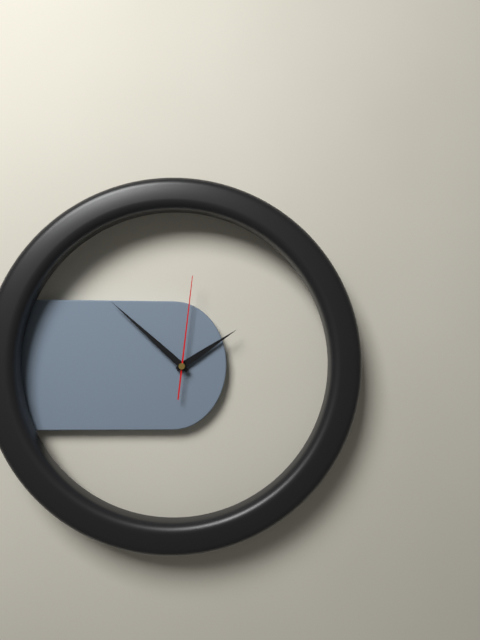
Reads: 1.52.01
